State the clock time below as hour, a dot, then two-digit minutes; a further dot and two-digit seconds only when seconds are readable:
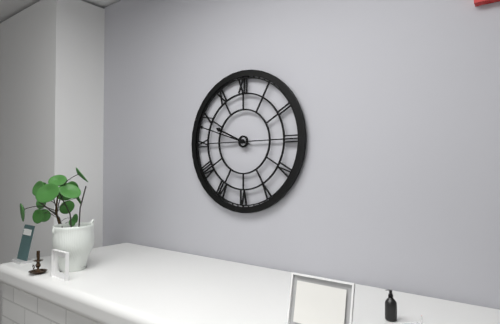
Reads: 9.48
